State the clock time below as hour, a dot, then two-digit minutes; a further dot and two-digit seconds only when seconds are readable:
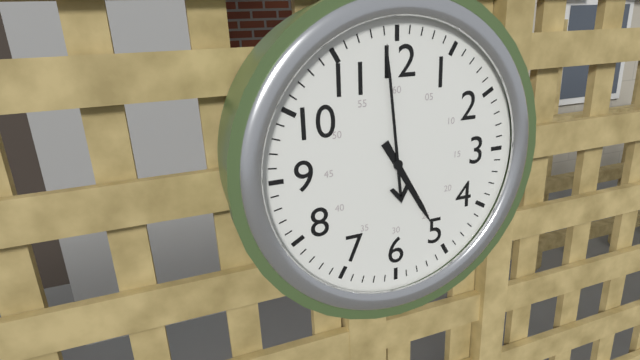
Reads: 4.59
